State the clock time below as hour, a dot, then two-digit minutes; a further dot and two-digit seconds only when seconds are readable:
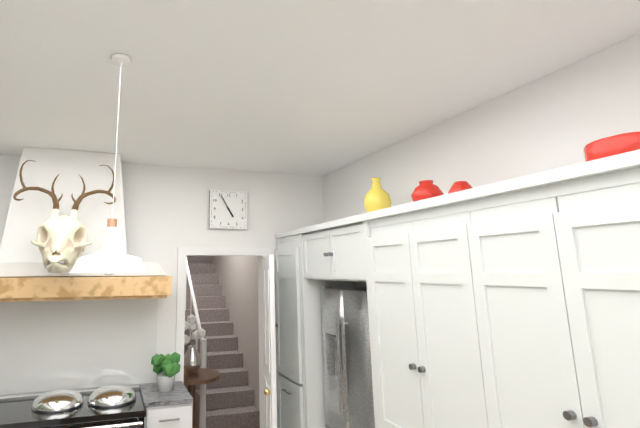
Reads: 4.55
